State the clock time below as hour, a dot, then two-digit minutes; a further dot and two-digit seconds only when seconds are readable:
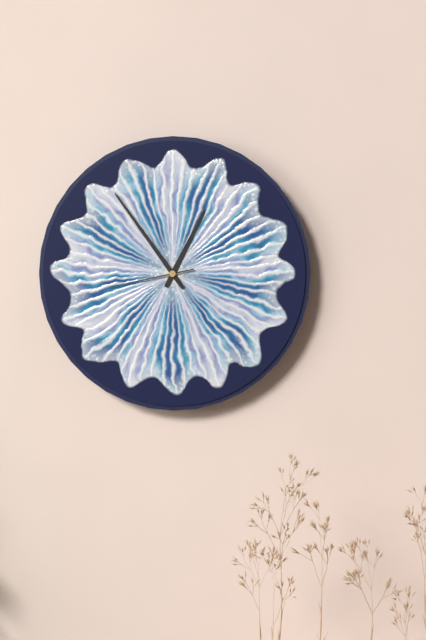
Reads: 12.54.43
